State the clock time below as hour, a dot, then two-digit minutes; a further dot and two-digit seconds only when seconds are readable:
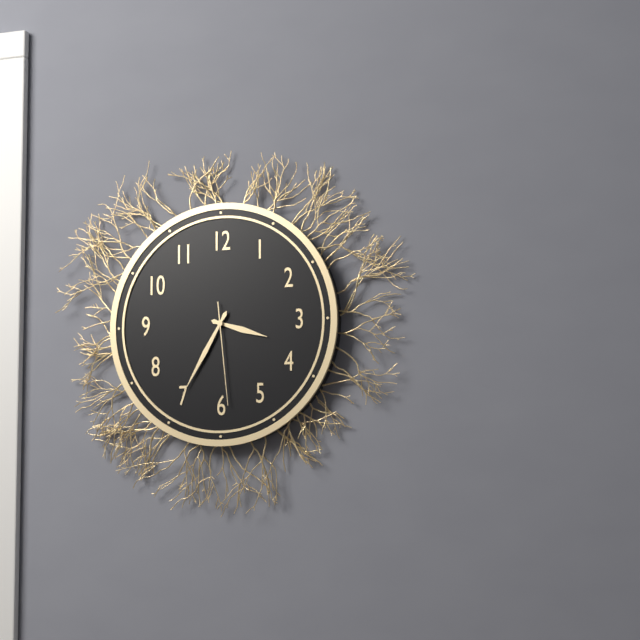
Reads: 3.35.29
